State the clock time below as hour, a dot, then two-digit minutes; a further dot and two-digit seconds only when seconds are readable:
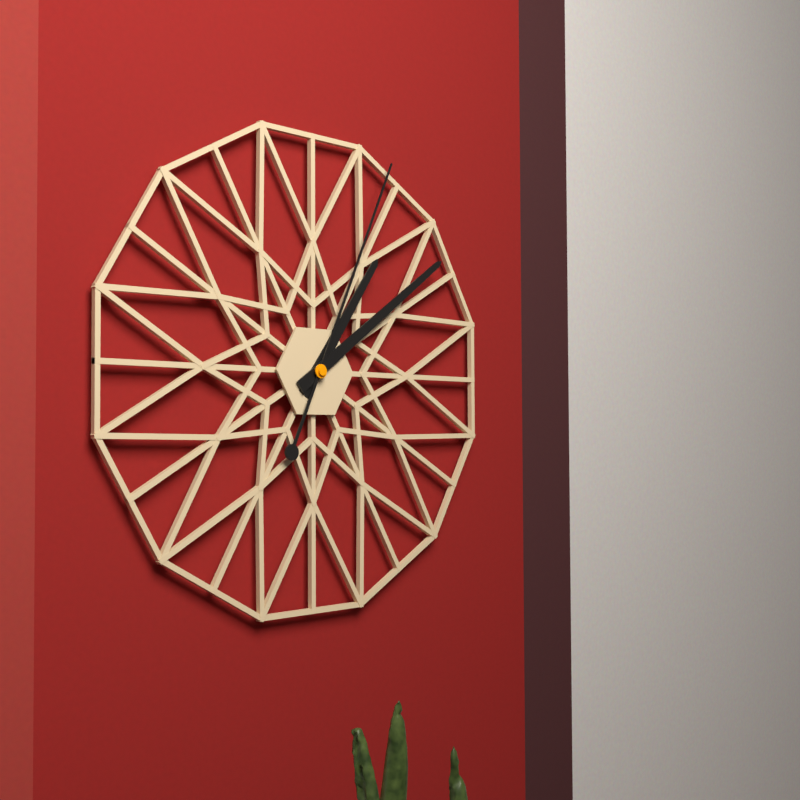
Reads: 1.09.04
